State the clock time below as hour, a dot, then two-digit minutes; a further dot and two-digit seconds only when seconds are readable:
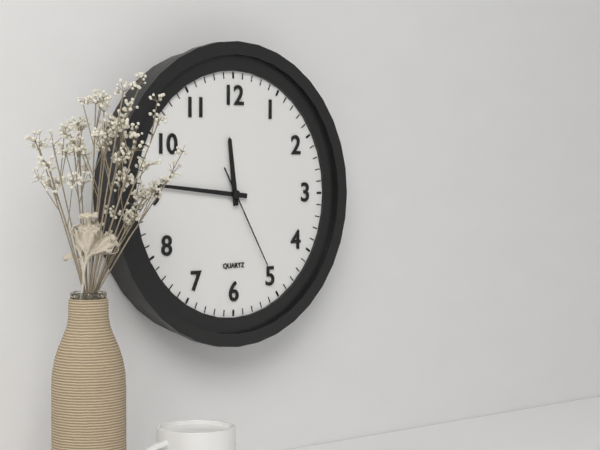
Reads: 11.46.25
